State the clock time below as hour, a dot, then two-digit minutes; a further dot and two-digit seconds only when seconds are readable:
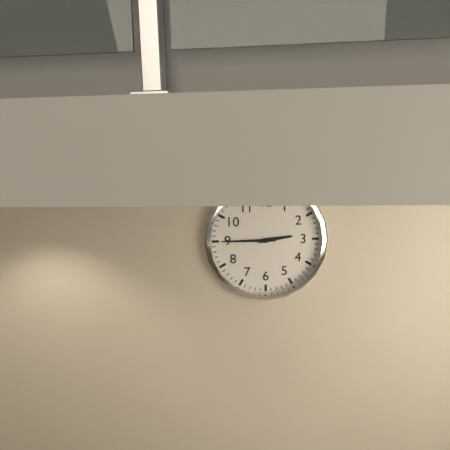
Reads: 2.45
